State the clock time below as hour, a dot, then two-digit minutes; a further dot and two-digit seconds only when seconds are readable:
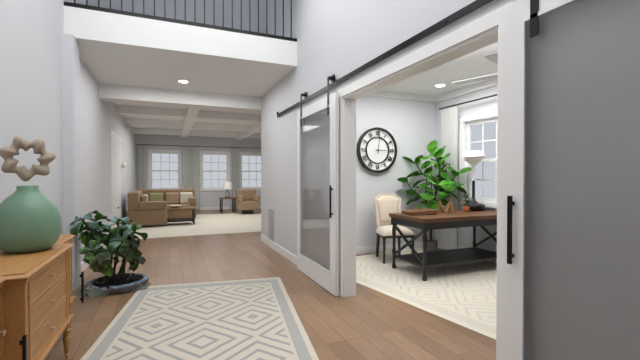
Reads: 3.01
